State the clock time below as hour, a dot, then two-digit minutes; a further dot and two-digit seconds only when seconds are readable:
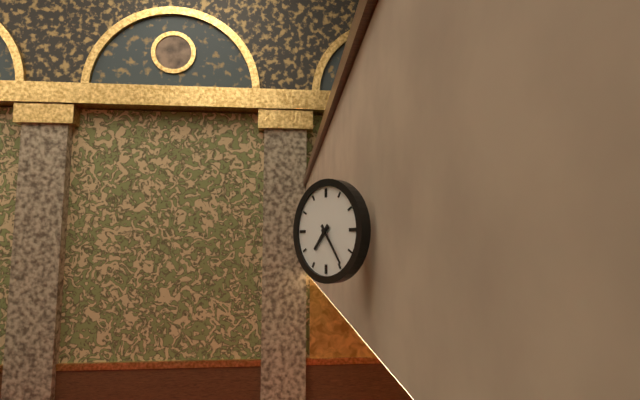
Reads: 7.24
